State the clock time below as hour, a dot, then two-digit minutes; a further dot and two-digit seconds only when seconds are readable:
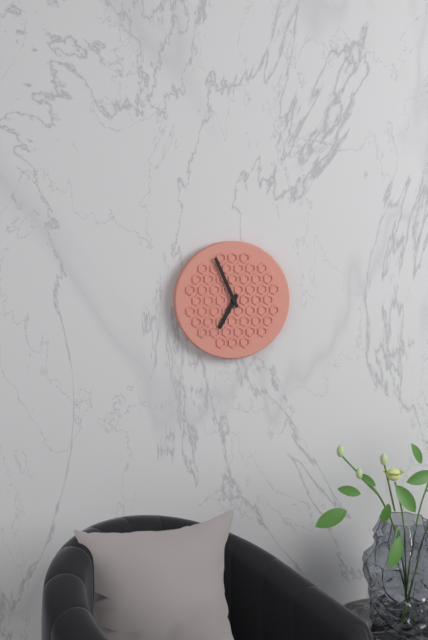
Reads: 6.56
